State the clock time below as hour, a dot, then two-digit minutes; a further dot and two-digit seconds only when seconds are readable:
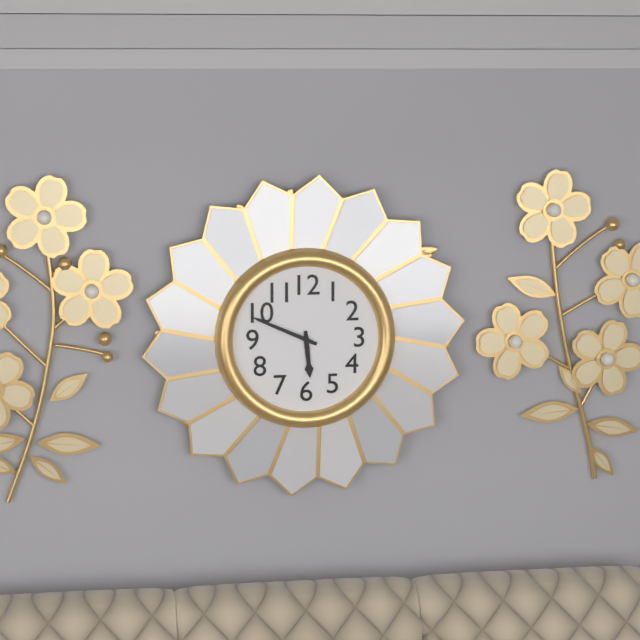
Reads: 5.49
